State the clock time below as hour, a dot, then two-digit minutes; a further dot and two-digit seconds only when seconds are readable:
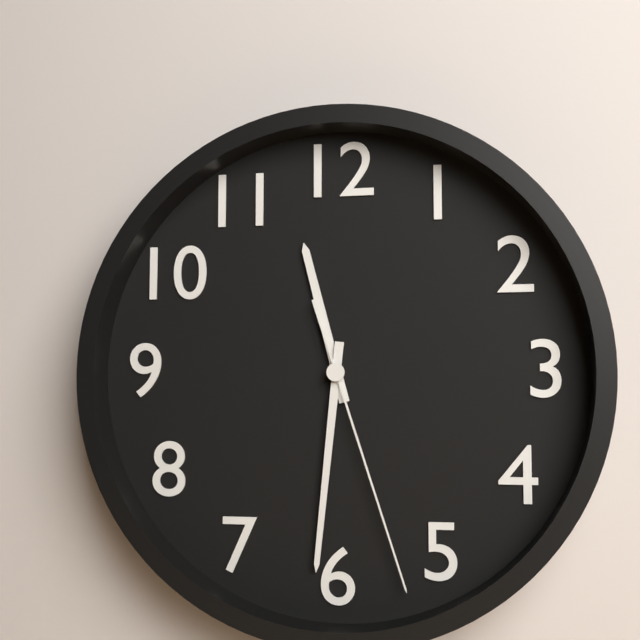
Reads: 11.31.27
